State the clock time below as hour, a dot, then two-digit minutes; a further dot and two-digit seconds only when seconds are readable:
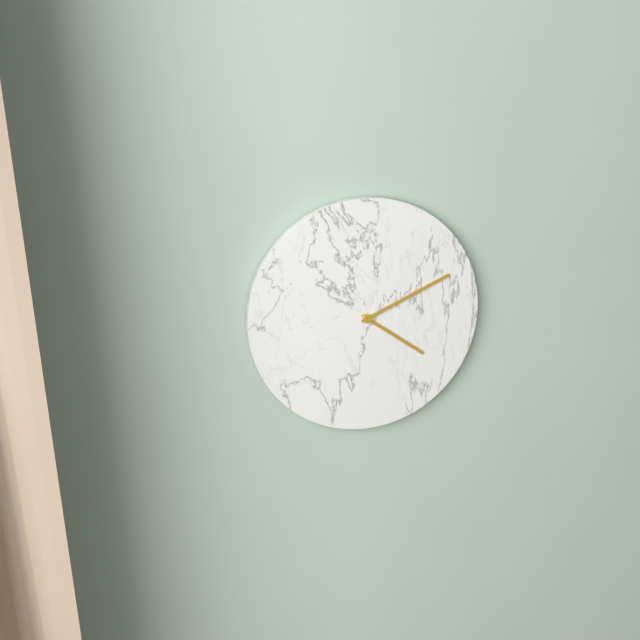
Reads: 4.11
